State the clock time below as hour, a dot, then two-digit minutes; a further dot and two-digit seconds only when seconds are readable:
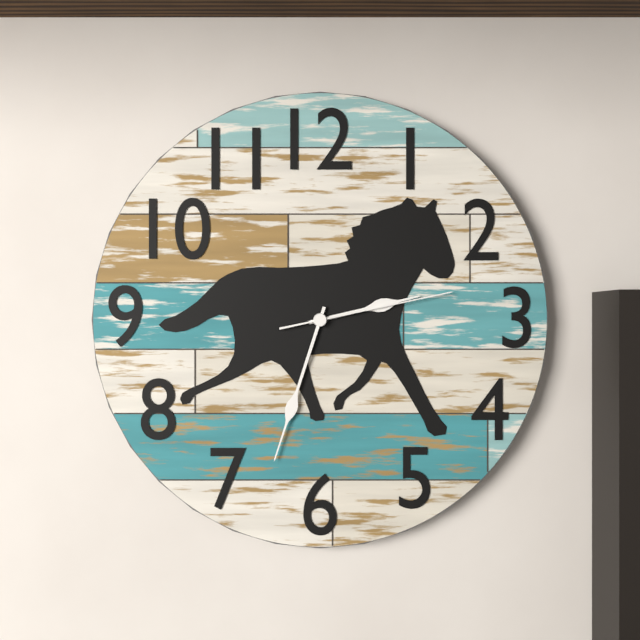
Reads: 2.33.13
